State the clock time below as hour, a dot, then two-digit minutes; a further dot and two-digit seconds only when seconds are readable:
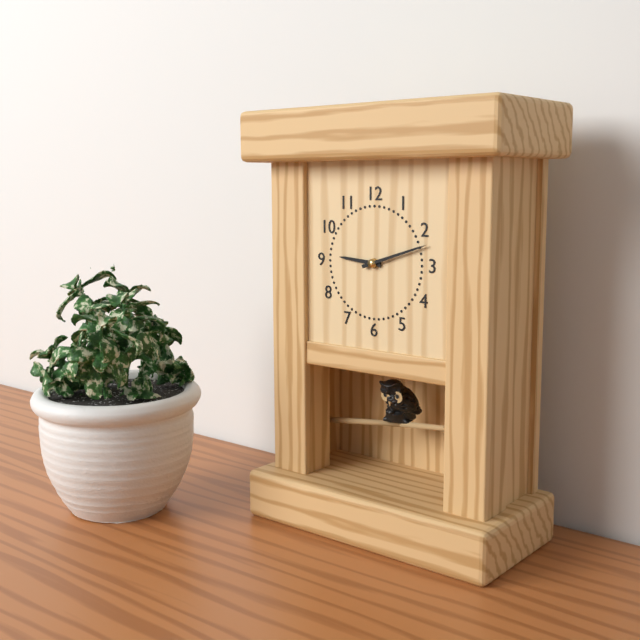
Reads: 9.12
